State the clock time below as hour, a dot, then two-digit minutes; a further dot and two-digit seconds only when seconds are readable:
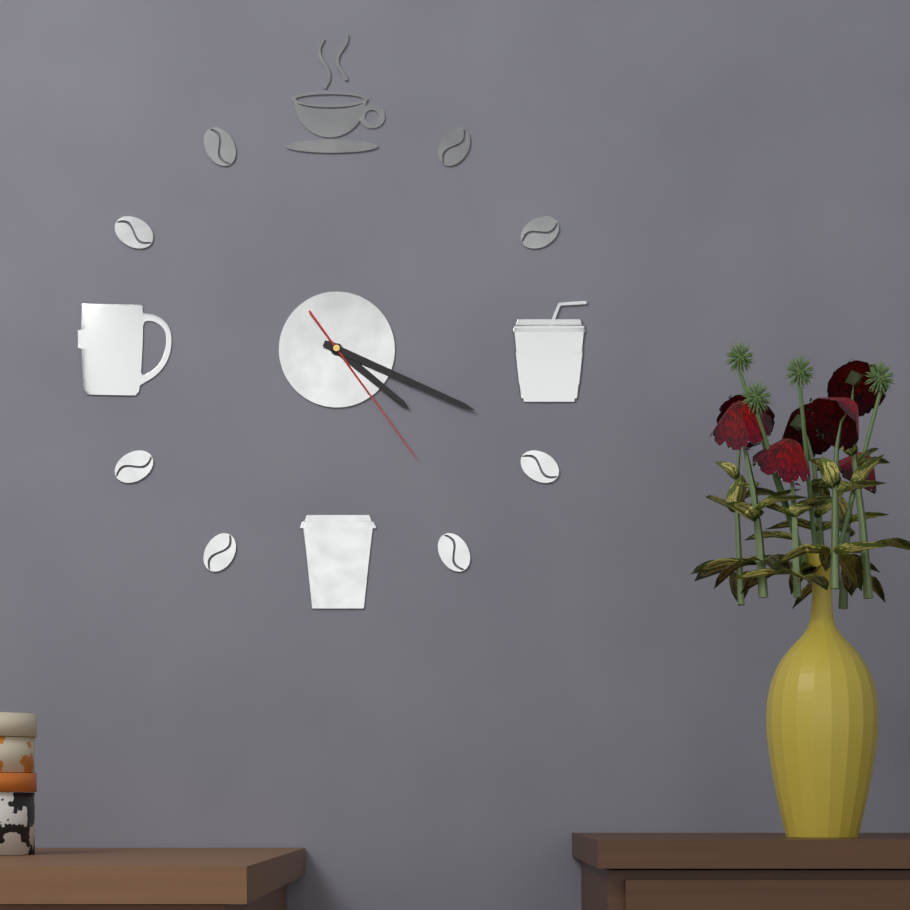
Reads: 4.19.24
